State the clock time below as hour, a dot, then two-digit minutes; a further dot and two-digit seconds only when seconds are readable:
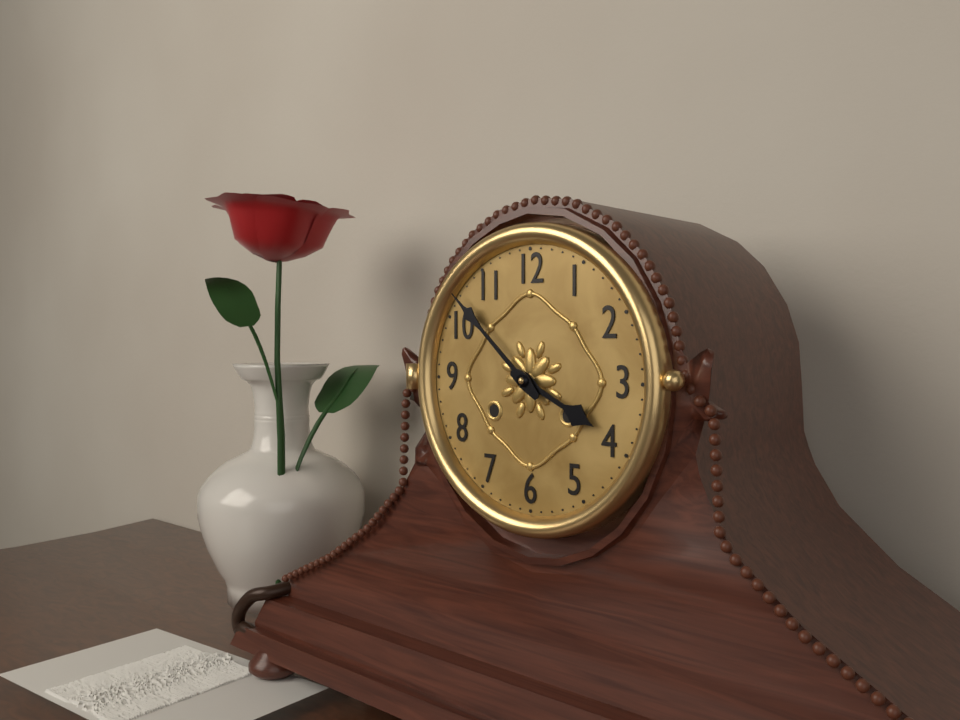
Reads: 3.52
